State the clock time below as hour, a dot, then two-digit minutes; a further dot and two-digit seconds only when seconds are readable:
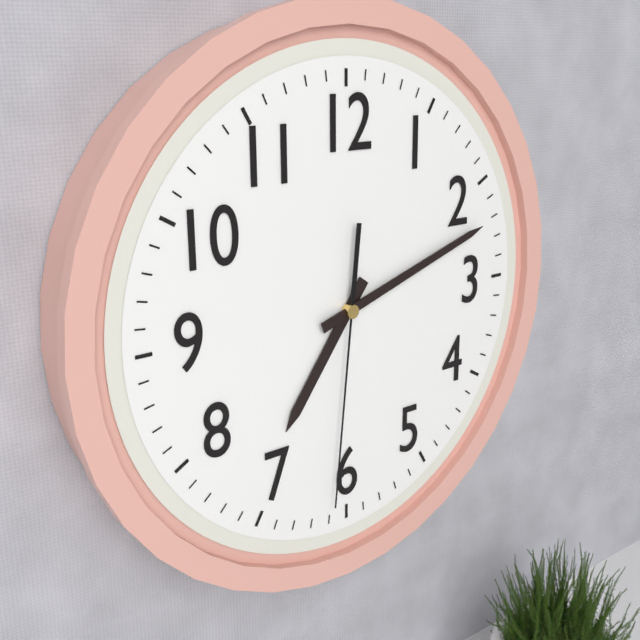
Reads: 7.12.31
